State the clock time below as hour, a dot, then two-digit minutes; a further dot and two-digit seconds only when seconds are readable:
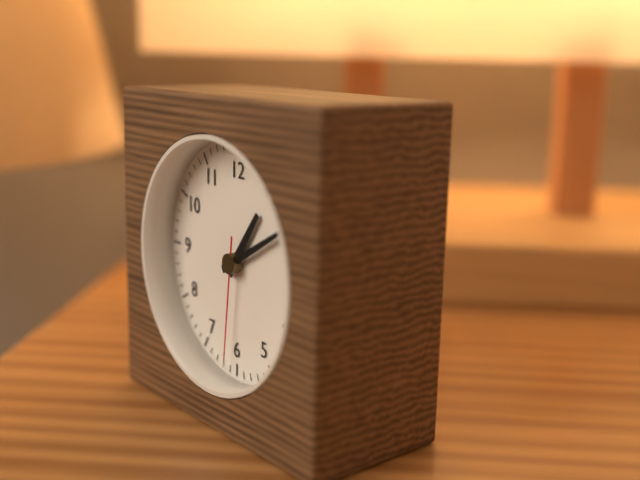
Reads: 1.10.31
